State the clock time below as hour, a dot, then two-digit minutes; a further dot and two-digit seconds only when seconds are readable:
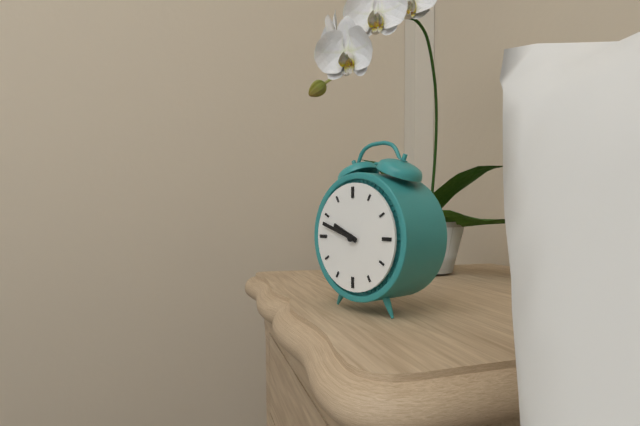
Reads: 9.48
